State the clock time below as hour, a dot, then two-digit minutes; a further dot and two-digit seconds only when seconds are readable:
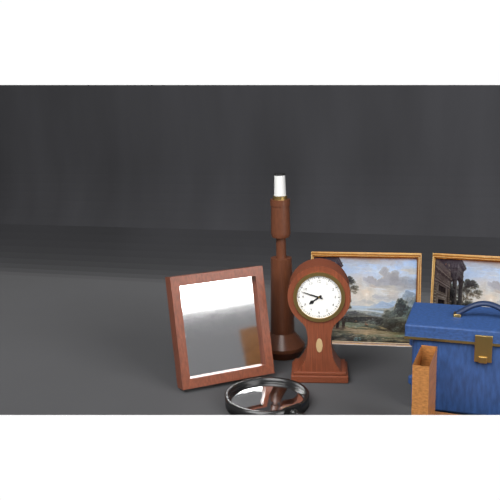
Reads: 7.48
